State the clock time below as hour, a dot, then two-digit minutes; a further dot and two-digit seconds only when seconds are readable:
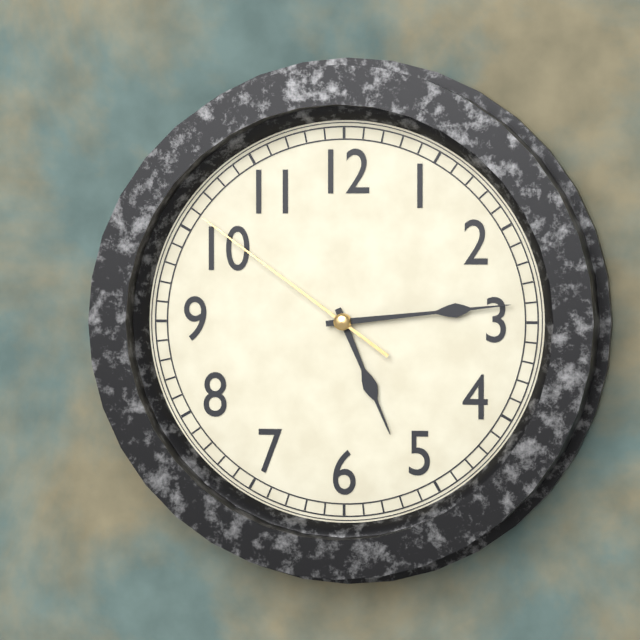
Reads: 5.14.51
